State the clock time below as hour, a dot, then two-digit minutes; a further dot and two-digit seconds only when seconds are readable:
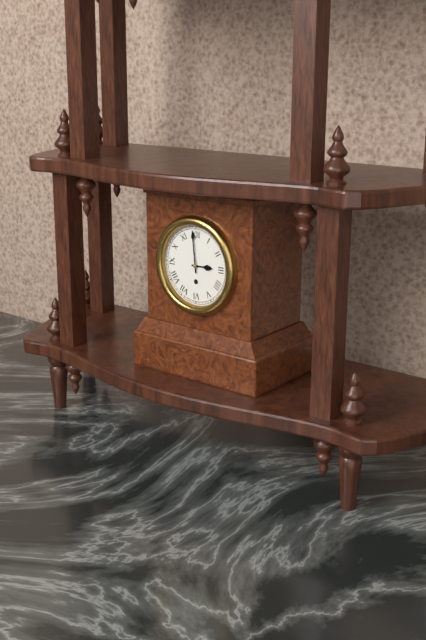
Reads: 2.59
